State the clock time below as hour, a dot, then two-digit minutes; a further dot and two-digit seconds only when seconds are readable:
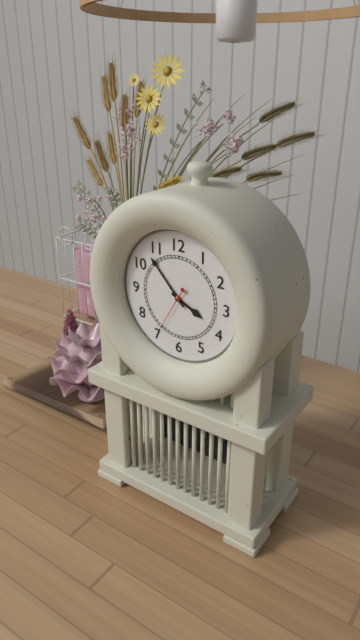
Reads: 3.53
